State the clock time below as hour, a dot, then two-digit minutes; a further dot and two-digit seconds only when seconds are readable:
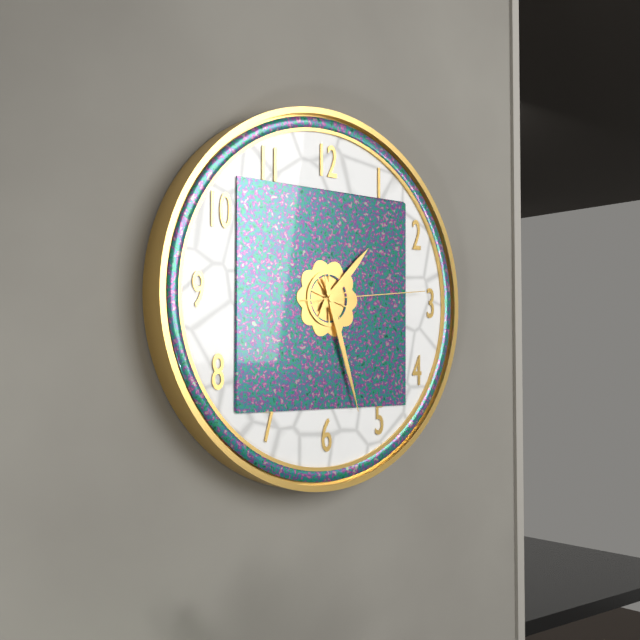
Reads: 1.27.14
